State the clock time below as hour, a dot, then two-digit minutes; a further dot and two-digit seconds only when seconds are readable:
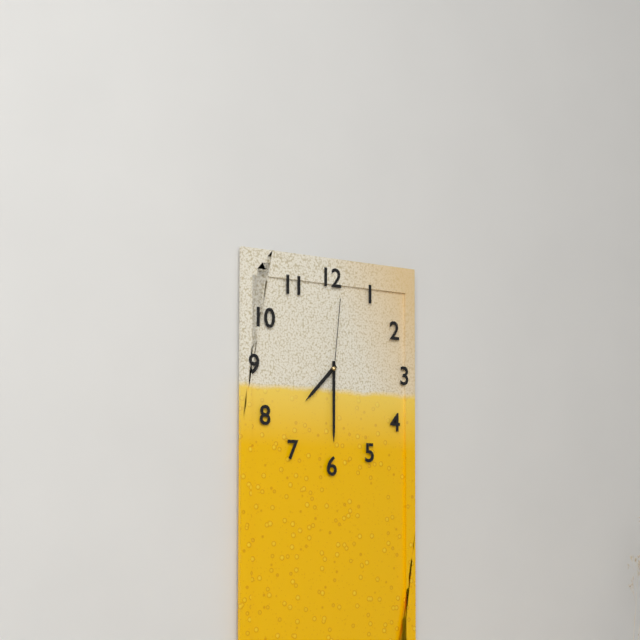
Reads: 7.30.01
